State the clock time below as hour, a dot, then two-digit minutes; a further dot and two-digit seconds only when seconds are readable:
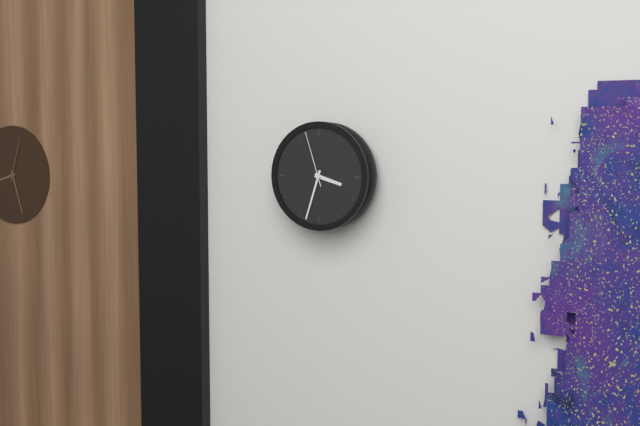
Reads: 3.33.57
